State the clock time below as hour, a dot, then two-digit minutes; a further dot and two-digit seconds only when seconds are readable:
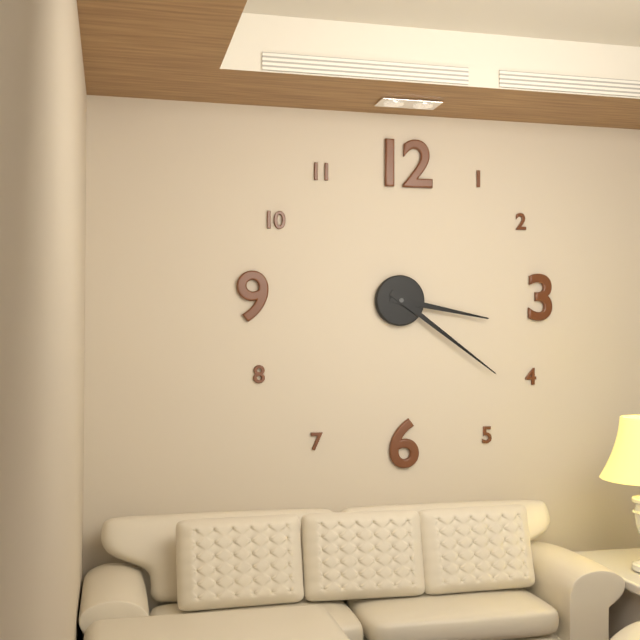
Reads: 3.21
